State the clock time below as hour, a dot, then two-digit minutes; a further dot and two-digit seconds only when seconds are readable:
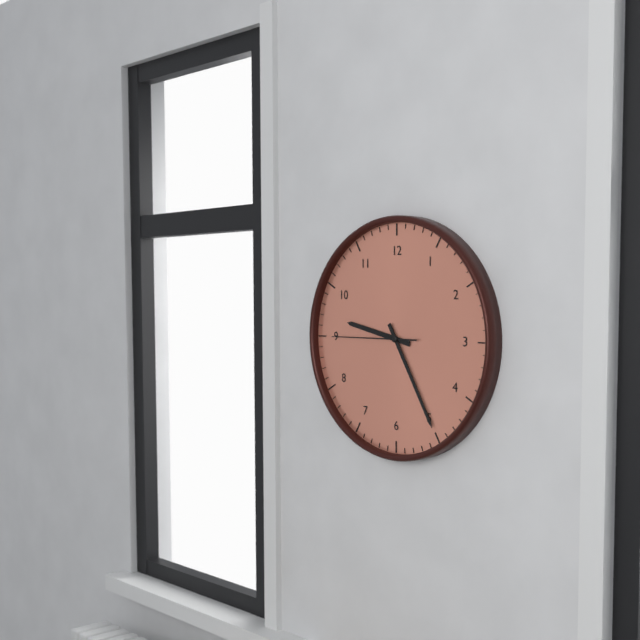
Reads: 9.25.45
